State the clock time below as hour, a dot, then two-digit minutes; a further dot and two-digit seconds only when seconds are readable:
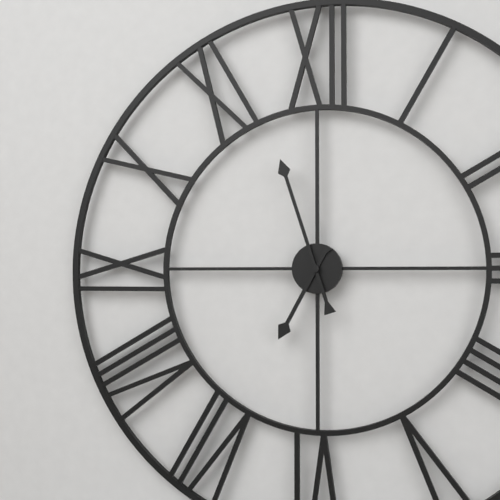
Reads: 6.57
